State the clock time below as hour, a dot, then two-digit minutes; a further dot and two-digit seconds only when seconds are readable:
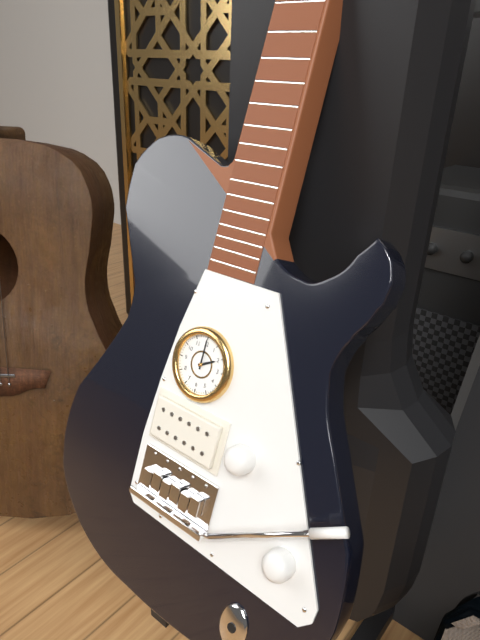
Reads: 2.00
